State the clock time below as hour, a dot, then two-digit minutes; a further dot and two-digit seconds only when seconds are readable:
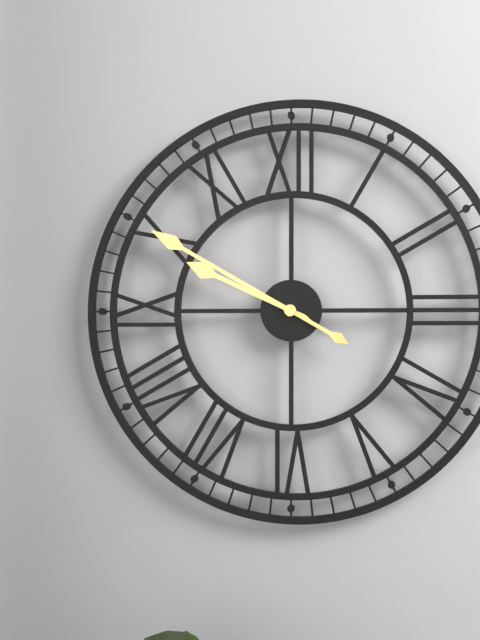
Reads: 9.50
